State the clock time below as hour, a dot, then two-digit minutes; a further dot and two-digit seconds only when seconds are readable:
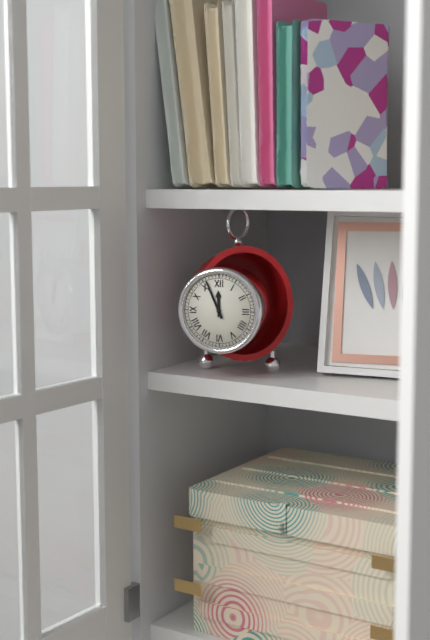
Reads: 11.56
